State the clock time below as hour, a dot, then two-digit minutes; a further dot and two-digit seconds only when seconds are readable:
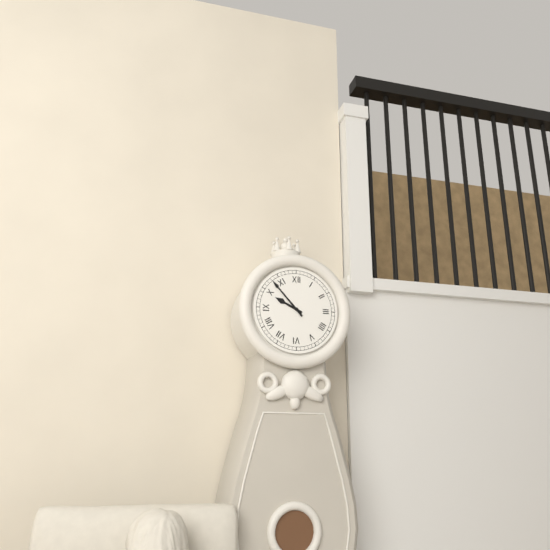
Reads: 9.53
